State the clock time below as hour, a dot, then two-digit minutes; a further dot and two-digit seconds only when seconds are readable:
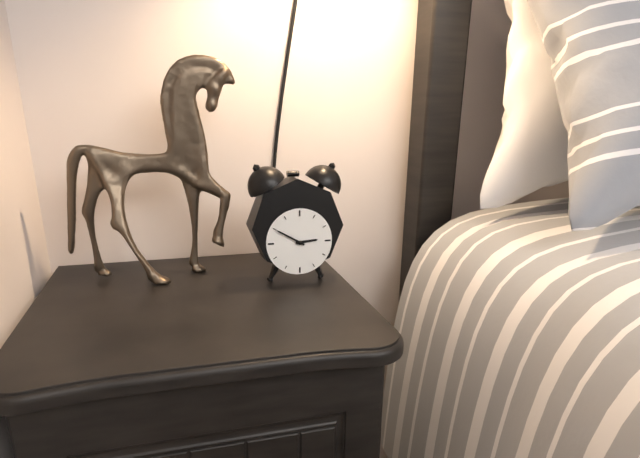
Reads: 2.50
